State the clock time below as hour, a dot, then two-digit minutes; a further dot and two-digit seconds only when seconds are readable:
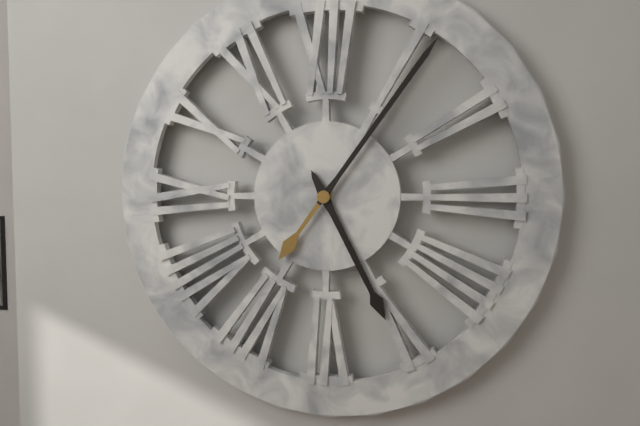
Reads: 5.06
